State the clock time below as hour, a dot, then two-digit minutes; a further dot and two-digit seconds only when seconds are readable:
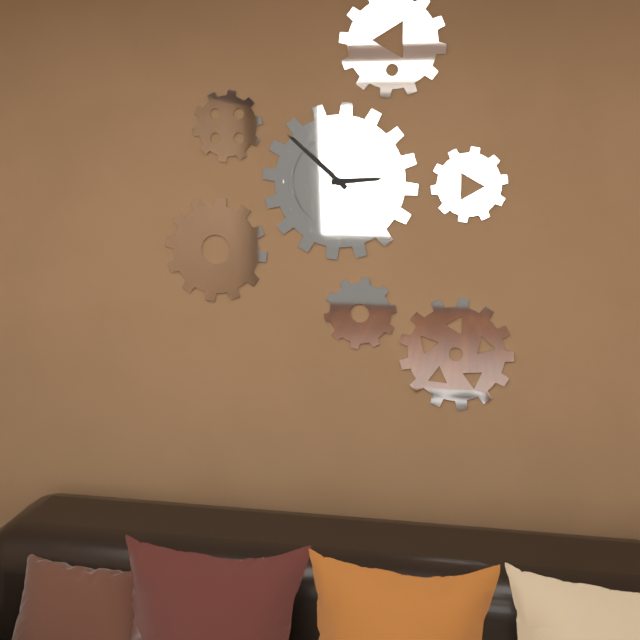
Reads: 2.52
